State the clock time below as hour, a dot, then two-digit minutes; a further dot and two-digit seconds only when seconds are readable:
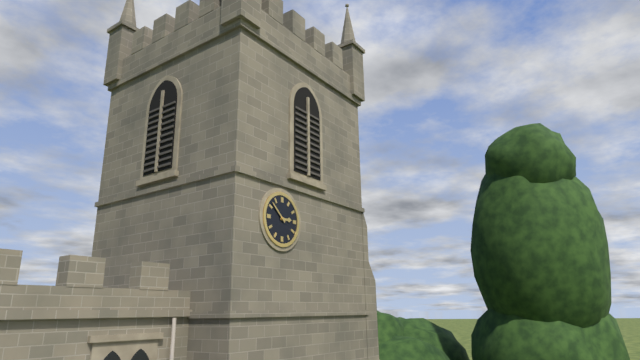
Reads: 2.52
